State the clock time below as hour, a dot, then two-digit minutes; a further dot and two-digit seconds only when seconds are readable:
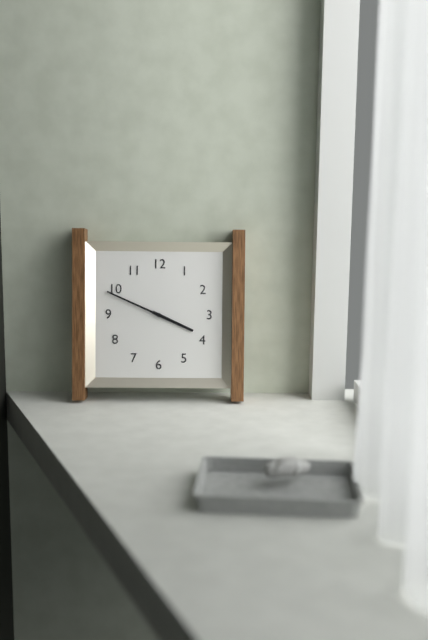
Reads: 3.49
